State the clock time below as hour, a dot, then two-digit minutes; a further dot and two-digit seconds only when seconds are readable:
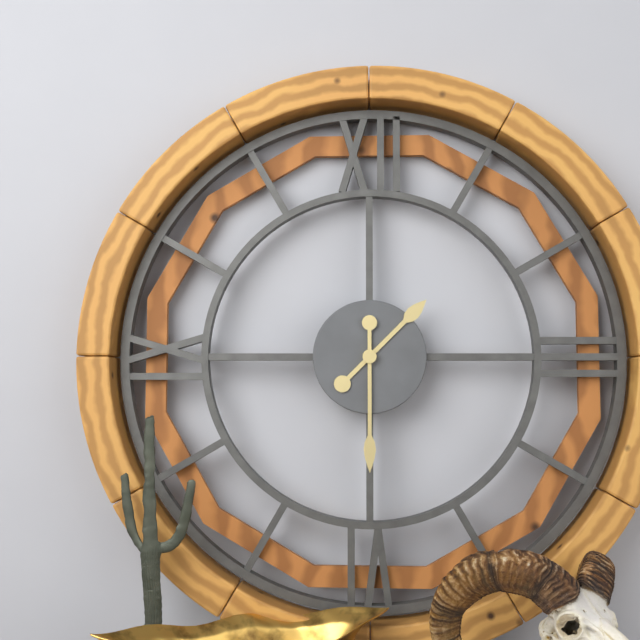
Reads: 1.30
